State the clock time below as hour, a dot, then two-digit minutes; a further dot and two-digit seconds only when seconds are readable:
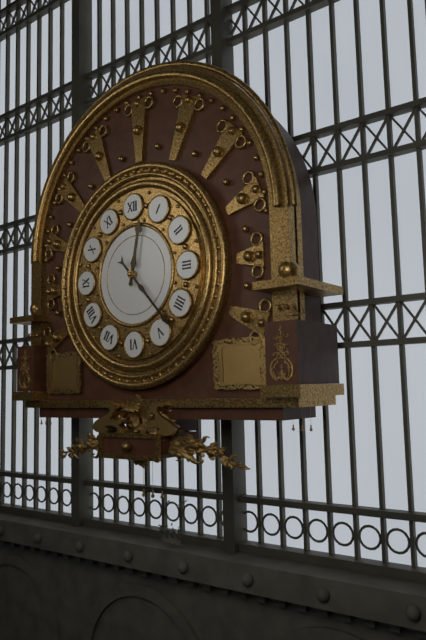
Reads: 12.23
